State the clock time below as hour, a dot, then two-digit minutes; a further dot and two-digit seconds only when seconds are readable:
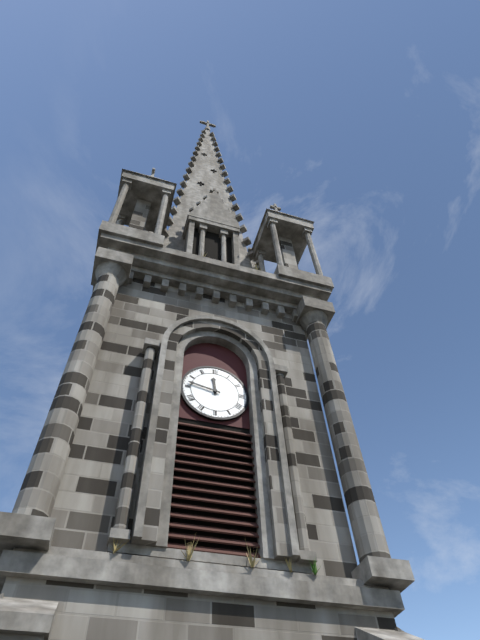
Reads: 11.47
